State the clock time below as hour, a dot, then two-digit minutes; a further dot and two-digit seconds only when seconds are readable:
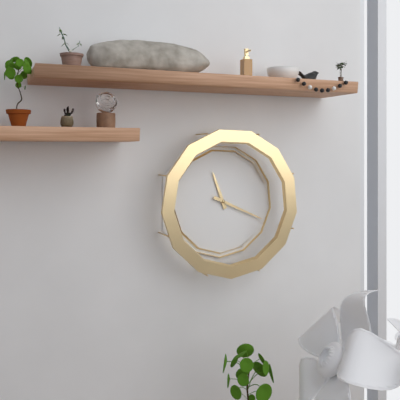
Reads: 11.19
